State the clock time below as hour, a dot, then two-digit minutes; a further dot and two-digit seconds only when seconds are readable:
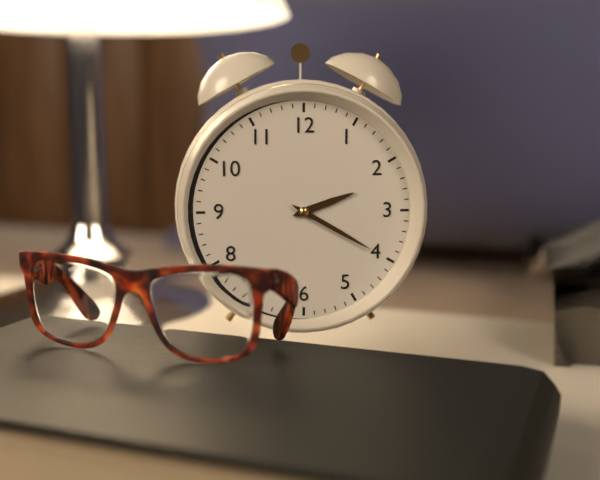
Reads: 2.20
